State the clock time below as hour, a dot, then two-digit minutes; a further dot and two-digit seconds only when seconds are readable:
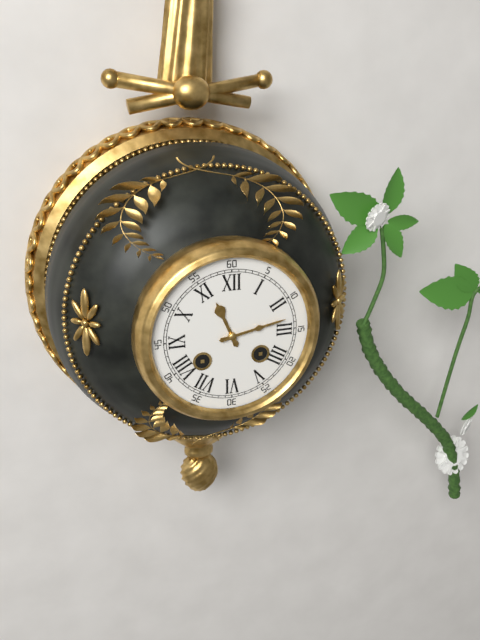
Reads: 11.13
